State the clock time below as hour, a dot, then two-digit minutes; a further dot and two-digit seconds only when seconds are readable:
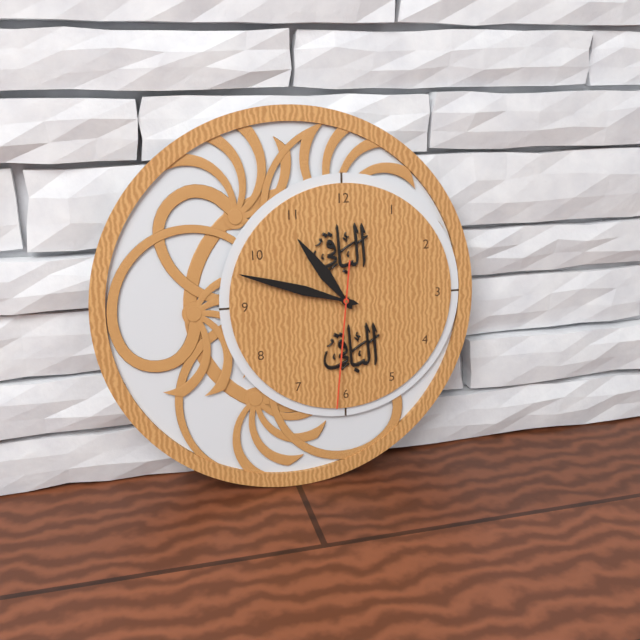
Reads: 10.48.31
